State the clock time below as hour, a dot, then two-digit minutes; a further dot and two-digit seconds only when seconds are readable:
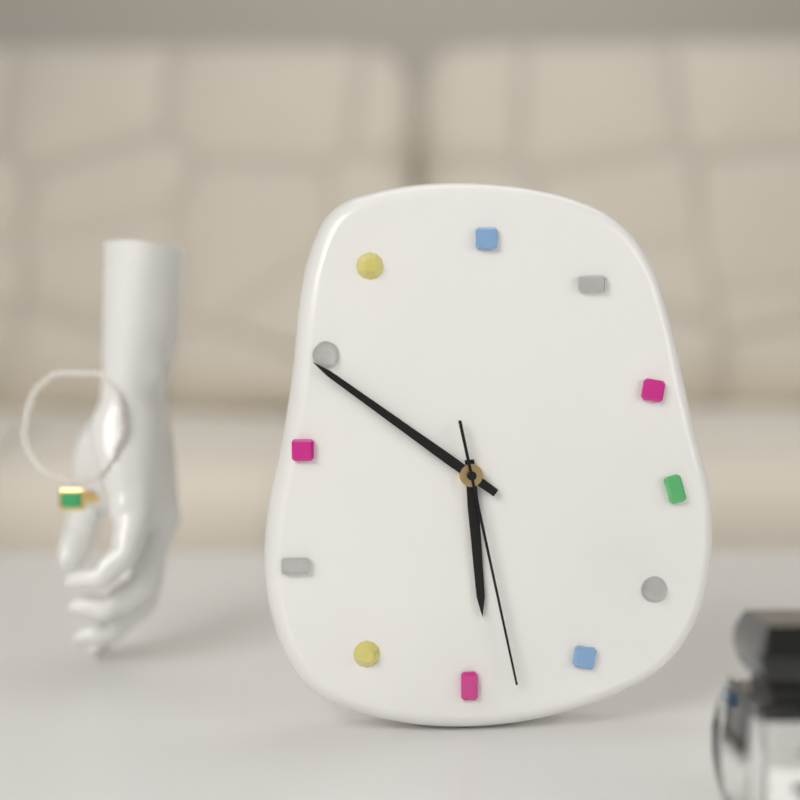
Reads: 5.51.28
